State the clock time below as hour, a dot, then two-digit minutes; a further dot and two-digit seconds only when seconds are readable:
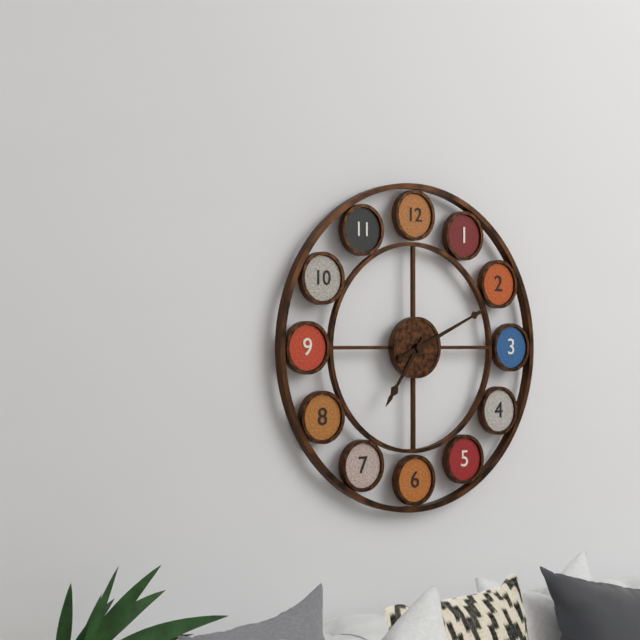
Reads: 7.11
